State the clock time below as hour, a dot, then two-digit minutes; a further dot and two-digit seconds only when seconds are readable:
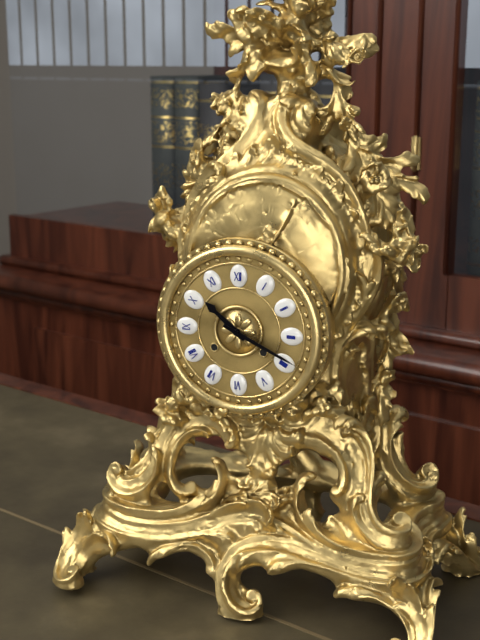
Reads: 10.19
